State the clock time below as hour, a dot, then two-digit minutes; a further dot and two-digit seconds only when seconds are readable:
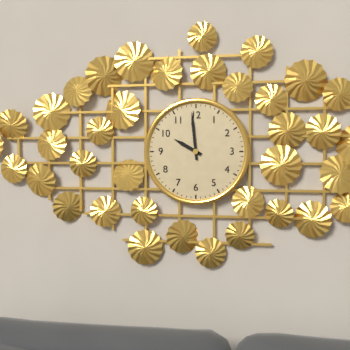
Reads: 9.59
